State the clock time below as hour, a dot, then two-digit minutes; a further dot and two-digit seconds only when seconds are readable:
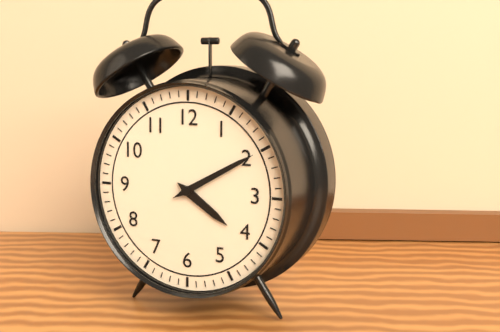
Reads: 4.10
